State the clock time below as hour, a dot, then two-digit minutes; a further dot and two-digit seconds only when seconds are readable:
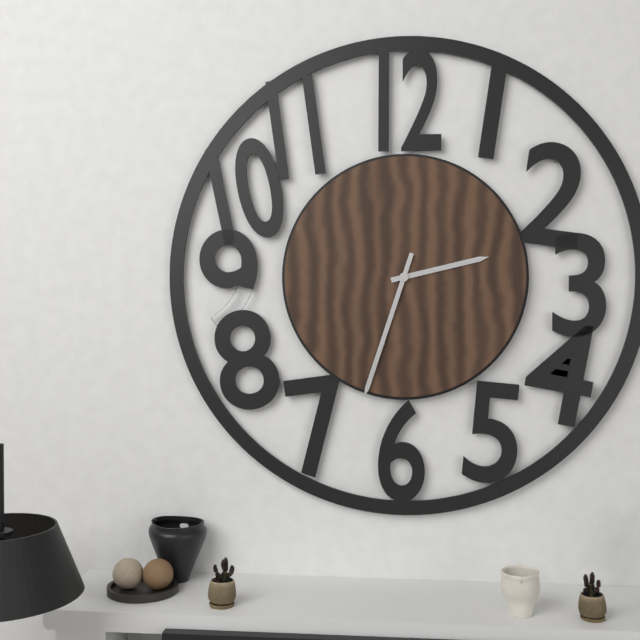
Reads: 2.33
